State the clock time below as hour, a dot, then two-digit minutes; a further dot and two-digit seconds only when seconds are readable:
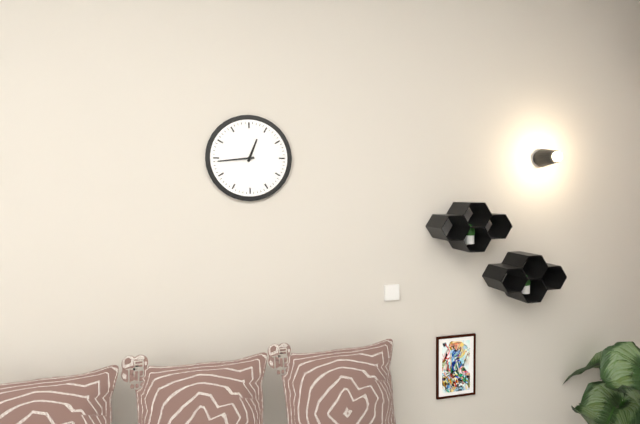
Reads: 12.44
